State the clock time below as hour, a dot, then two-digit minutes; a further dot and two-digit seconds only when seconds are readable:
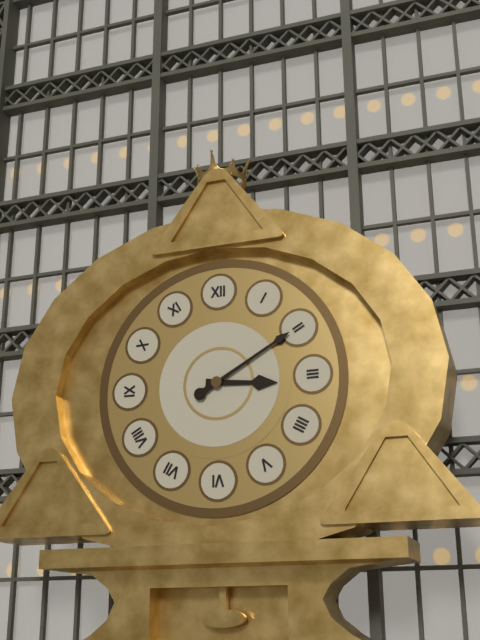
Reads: 3.10
